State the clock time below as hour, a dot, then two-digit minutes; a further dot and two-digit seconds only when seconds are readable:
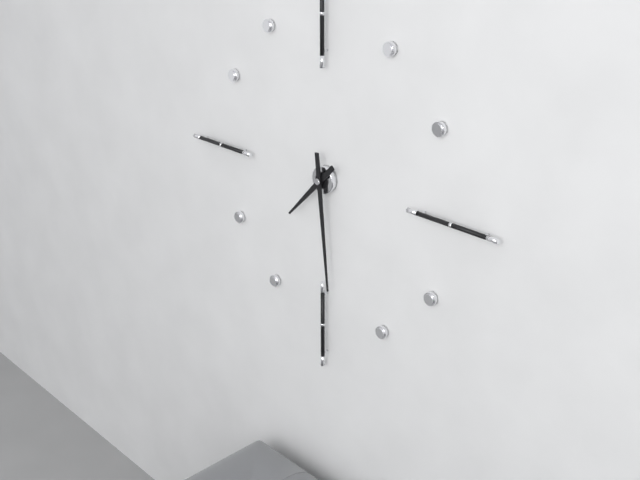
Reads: 7.29
